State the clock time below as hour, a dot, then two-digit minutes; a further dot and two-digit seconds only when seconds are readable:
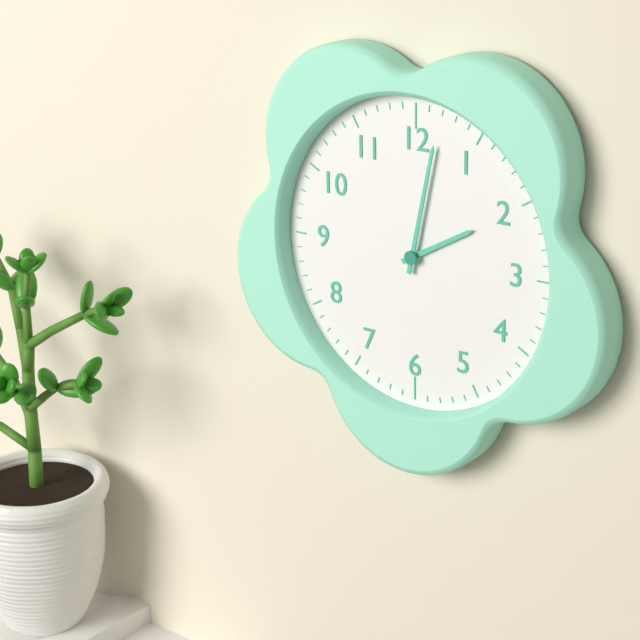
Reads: 2.02
